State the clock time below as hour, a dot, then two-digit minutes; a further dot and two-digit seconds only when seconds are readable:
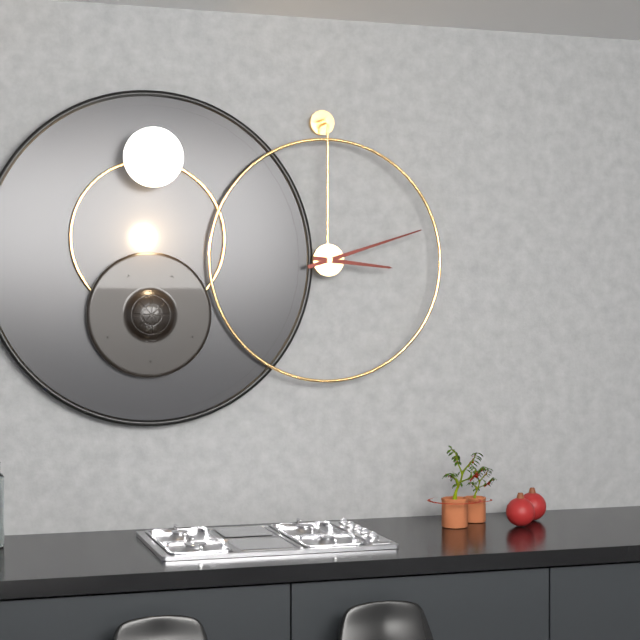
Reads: 3.12
